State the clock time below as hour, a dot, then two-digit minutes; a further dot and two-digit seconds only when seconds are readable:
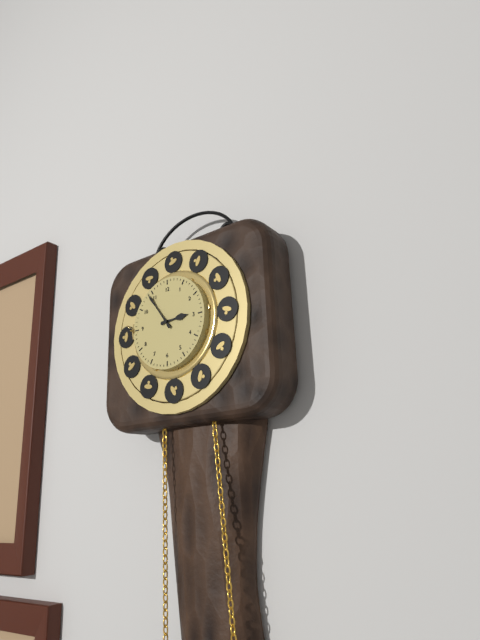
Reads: 2.54
